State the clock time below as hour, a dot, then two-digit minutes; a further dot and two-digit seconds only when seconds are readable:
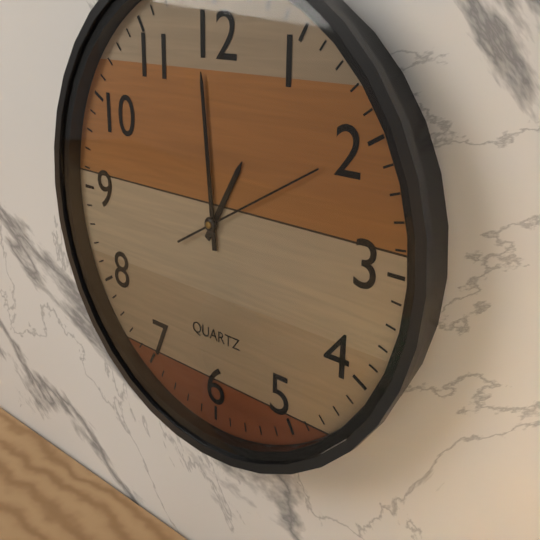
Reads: 12.59.10
